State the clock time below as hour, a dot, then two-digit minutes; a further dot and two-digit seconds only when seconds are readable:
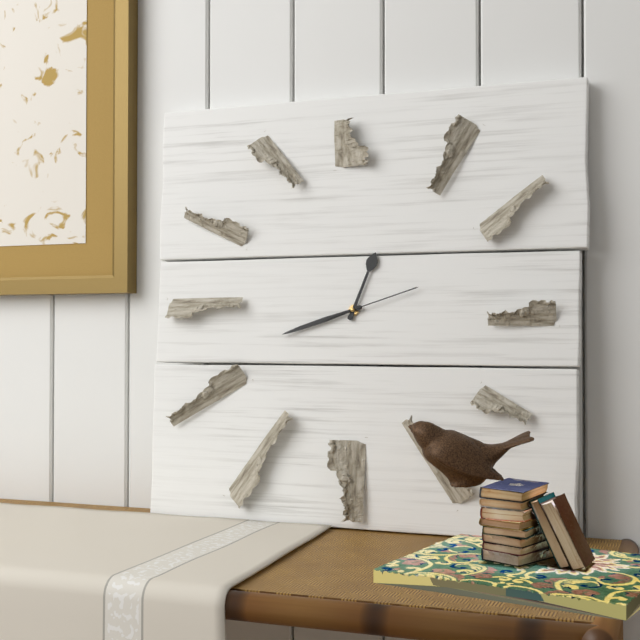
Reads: 12.42.12
